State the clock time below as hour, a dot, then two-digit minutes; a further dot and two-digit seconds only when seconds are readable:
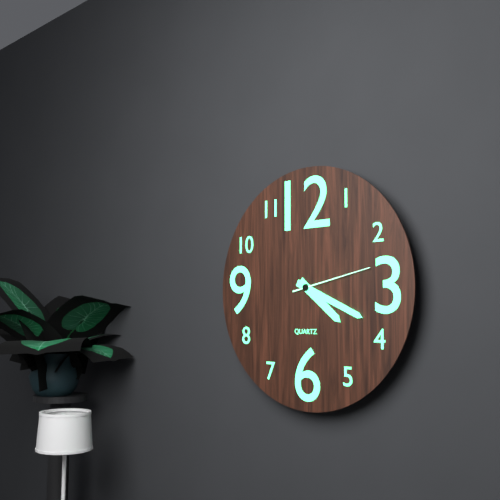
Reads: 4.19.13
